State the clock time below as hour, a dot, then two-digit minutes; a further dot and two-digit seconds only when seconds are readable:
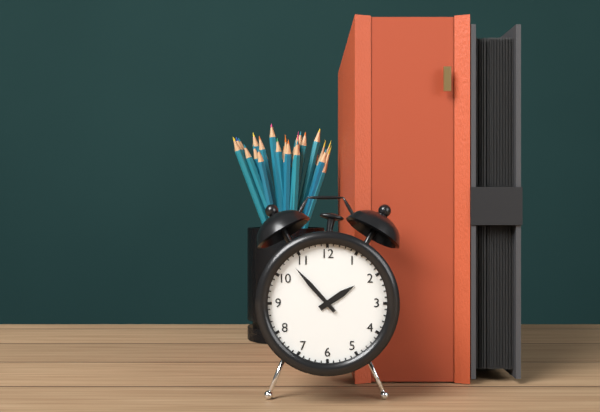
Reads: 1.53
